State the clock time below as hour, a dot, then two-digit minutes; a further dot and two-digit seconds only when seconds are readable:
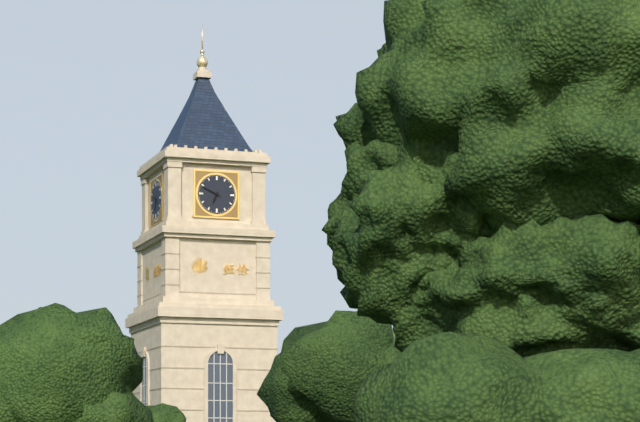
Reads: 6.49
